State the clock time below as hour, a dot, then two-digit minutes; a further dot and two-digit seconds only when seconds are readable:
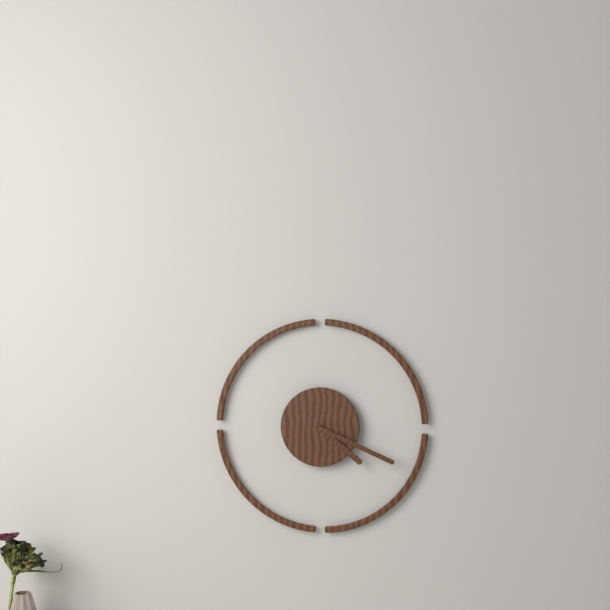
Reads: 4.19
